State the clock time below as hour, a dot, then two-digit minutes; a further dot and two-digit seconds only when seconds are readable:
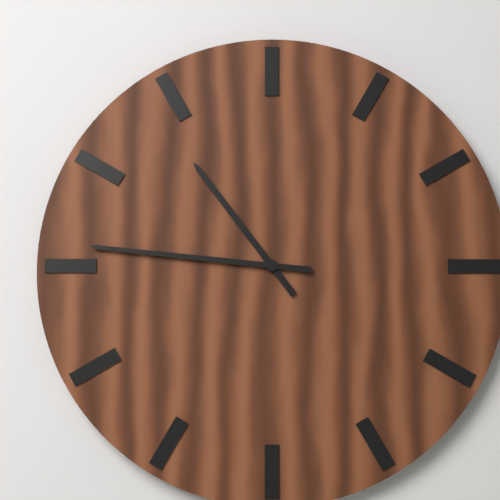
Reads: 10.46
